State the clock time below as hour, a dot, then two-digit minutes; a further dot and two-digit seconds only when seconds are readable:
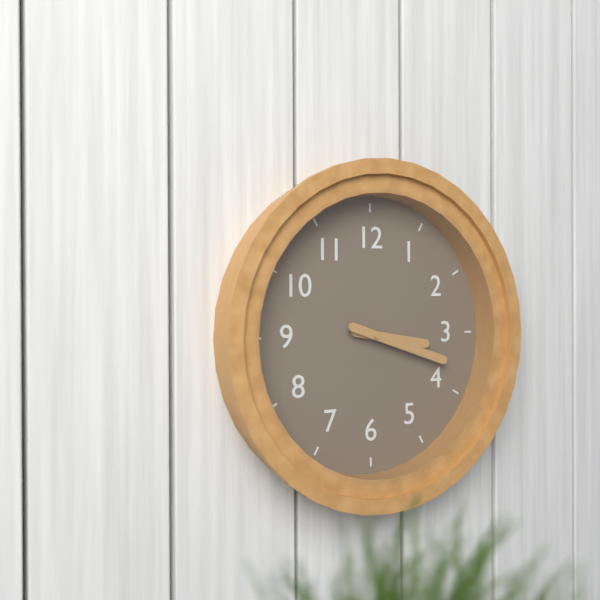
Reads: 3.18
